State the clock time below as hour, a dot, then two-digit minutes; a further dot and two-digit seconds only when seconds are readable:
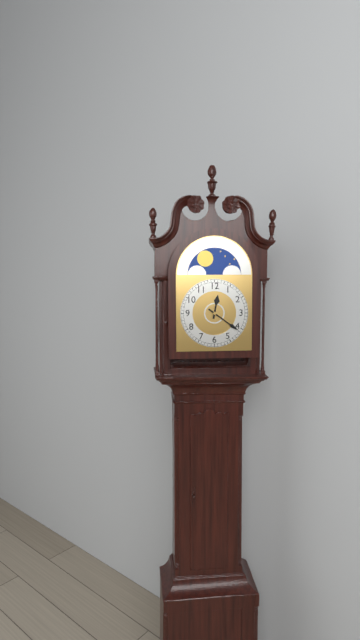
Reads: 12.21
